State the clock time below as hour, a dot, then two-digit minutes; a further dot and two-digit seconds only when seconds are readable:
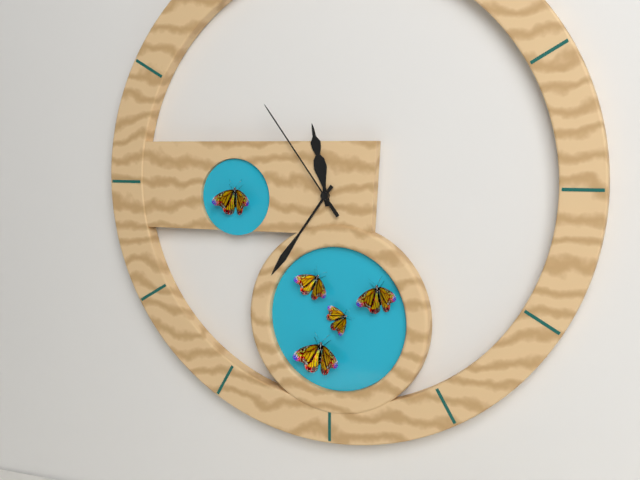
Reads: 11.36.54
